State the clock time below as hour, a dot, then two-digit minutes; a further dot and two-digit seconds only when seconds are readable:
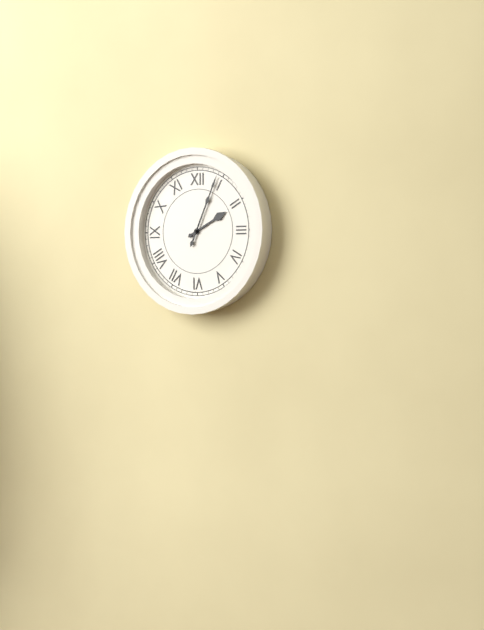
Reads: 2.04
